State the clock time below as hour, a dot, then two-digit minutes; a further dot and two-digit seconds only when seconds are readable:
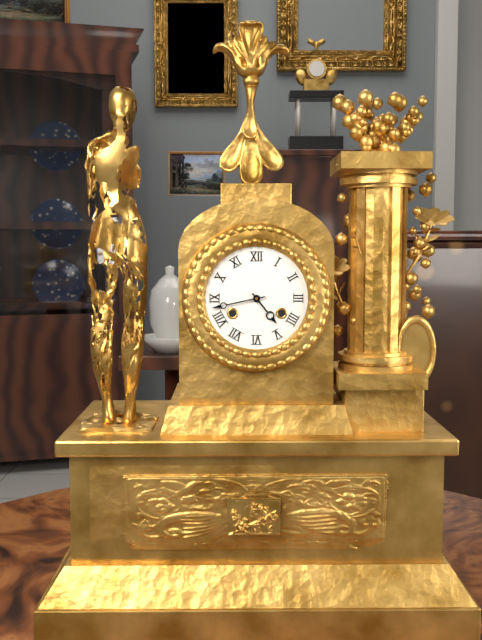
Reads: 4.43
